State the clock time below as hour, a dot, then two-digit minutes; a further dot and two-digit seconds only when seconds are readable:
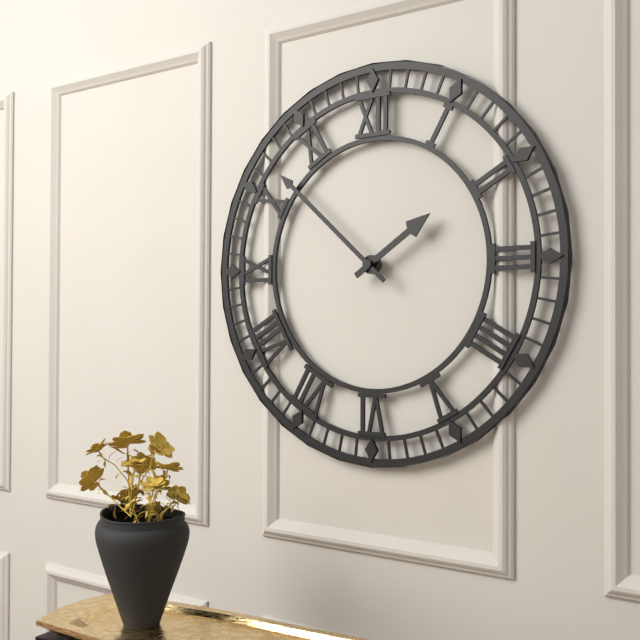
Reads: 1.52
